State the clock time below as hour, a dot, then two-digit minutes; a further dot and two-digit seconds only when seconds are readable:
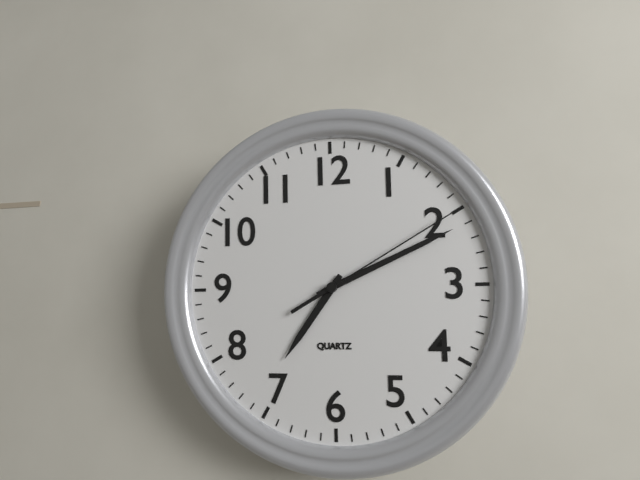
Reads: 7.11.10
